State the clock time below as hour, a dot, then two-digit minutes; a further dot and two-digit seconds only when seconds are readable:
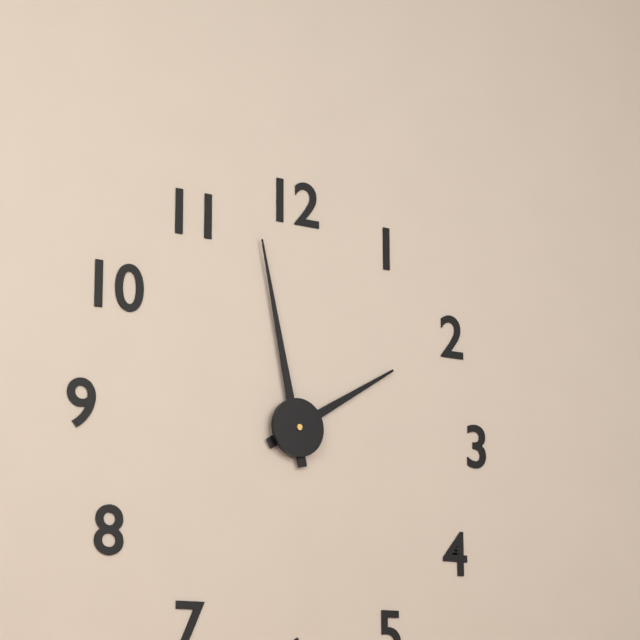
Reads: 1.58
